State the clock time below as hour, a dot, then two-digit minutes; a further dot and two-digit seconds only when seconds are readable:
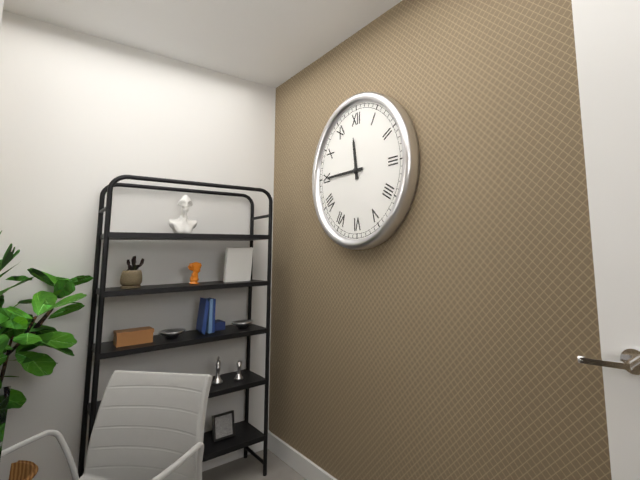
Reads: 11.45
